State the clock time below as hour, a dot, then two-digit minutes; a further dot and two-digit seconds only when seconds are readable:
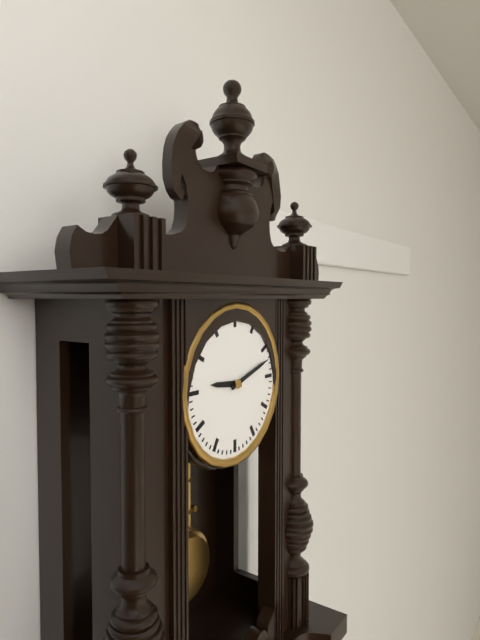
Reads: 9.12
